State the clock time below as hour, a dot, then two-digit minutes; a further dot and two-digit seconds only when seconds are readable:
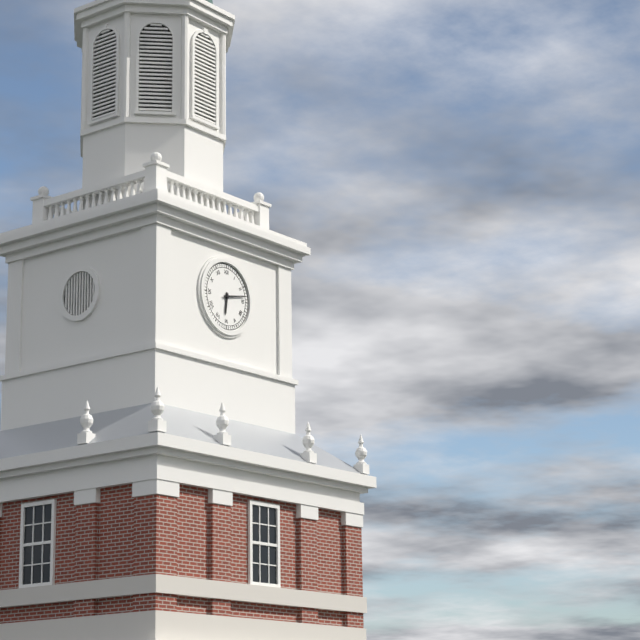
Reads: 6.13
